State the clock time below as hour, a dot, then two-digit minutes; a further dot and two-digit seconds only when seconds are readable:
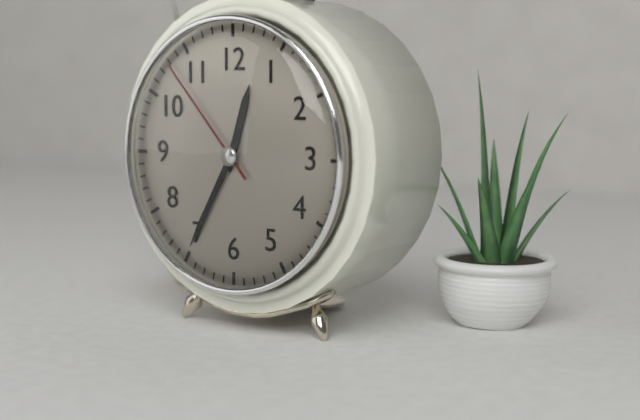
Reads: 12.35.53
